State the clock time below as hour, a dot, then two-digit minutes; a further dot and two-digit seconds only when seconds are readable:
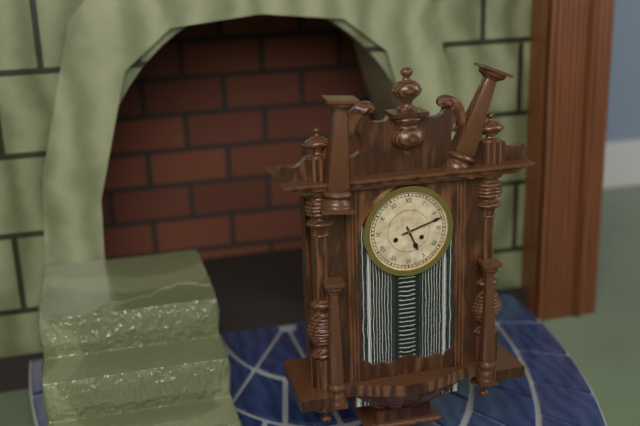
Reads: 5.12
